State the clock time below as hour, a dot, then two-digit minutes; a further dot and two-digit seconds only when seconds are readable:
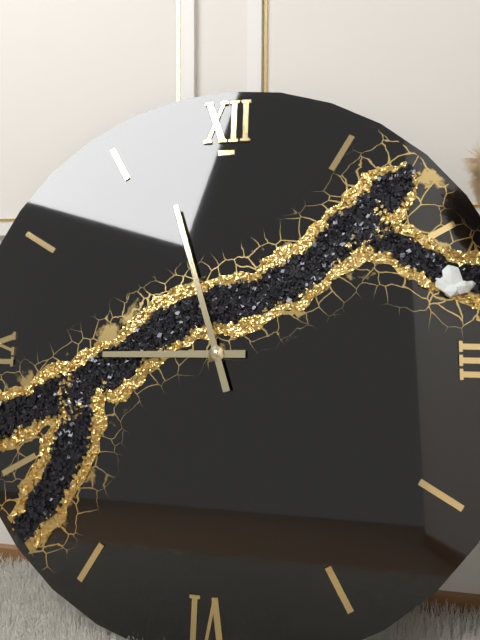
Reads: 8.57
